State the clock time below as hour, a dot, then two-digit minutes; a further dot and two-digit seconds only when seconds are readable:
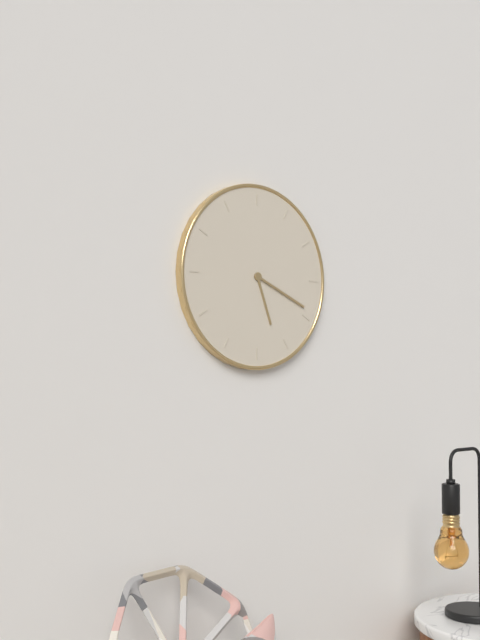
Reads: 5.19
